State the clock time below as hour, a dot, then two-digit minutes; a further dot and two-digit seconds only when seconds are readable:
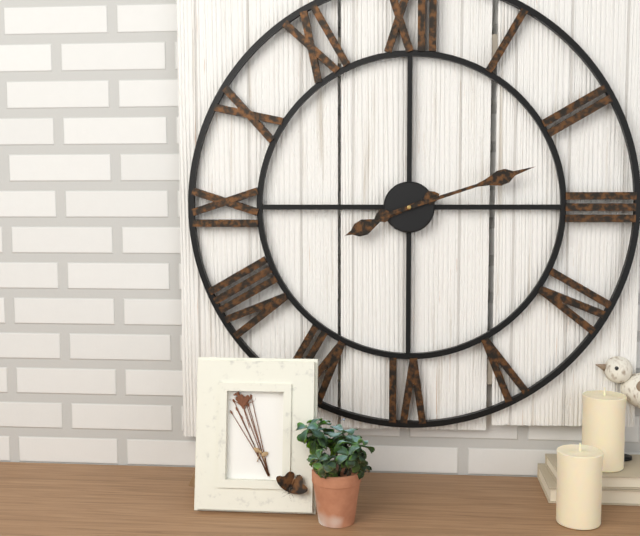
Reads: 8.12
